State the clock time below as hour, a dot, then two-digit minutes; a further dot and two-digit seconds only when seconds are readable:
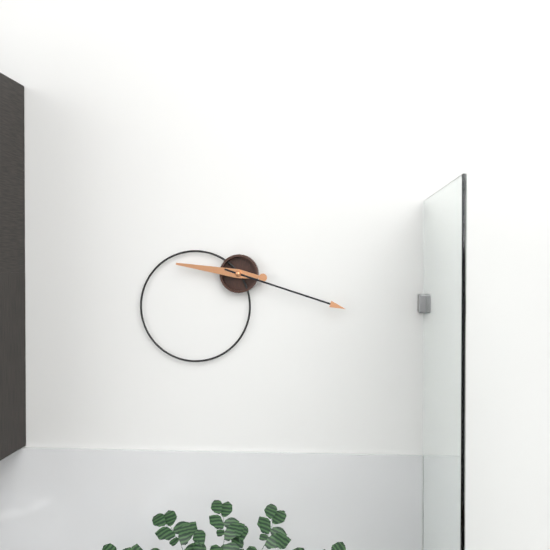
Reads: 9.18
